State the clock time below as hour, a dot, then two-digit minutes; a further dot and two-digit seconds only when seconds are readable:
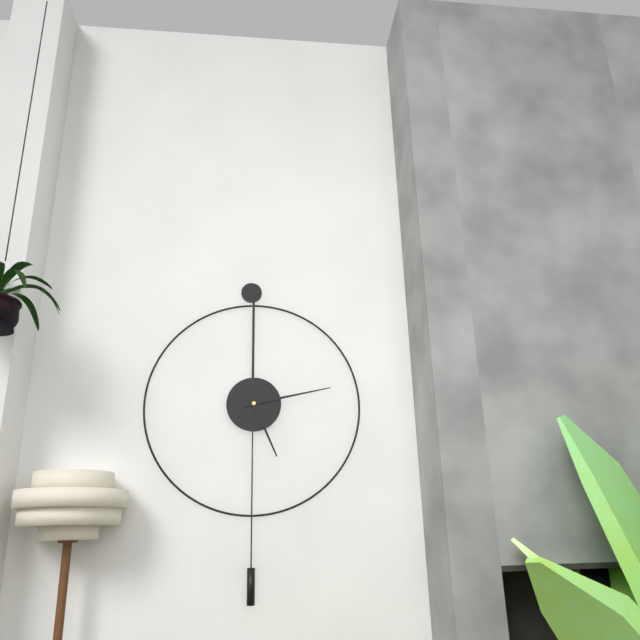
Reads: 5.13
